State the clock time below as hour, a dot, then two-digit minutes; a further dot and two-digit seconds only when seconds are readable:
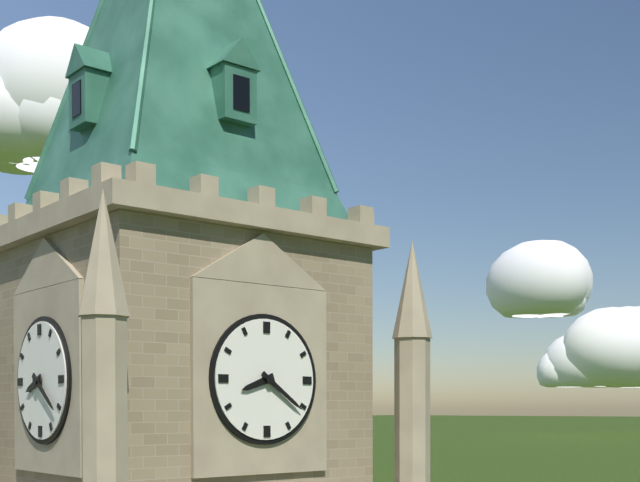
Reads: 8.21
